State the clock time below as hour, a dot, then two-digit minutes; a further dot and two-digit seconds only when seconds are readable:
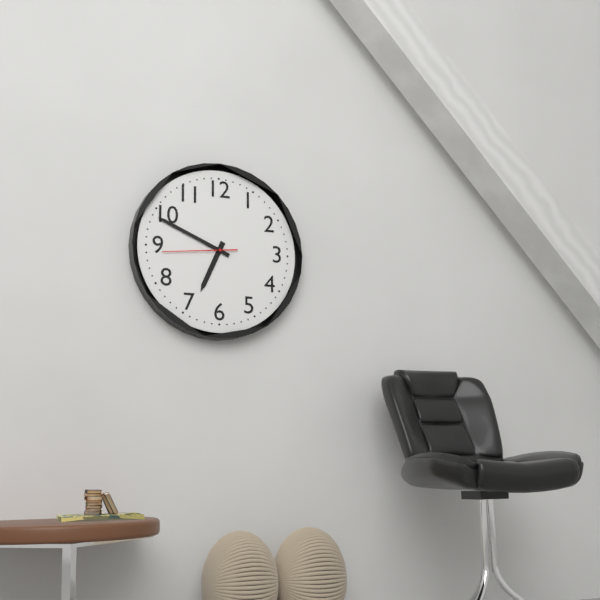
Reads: 6.49.44
